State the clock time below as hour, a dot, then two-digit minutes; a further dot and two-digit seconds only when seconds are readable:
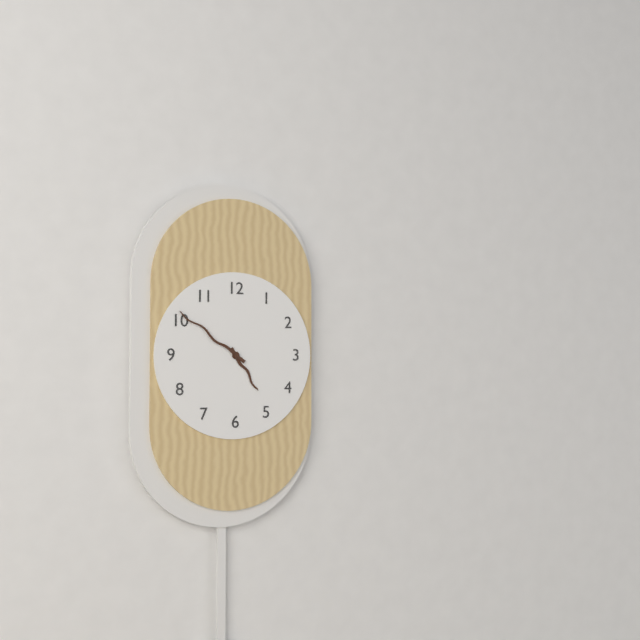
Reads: 4.51
